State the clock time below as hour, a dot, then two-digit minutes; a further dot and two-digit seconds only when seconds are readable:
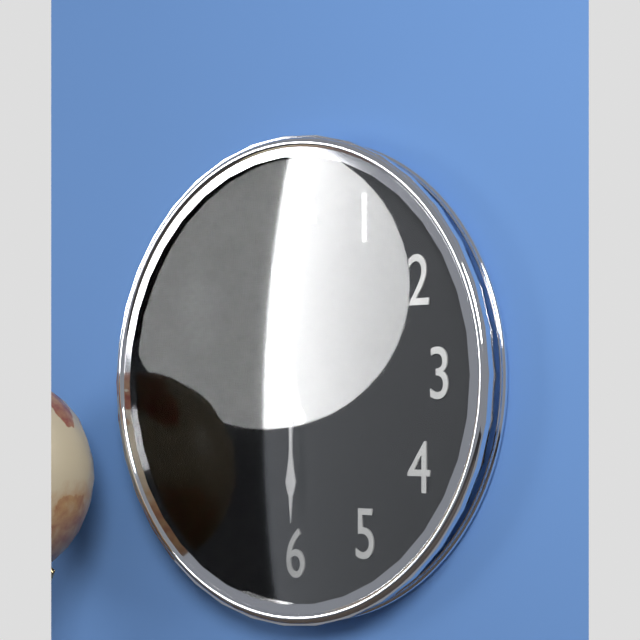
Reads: 11.30
